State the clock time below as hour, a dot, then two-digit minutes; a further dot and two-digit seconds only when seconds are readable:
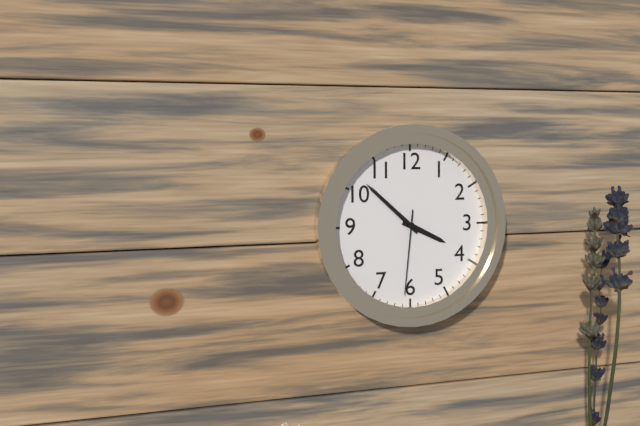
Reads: 3.52.31
